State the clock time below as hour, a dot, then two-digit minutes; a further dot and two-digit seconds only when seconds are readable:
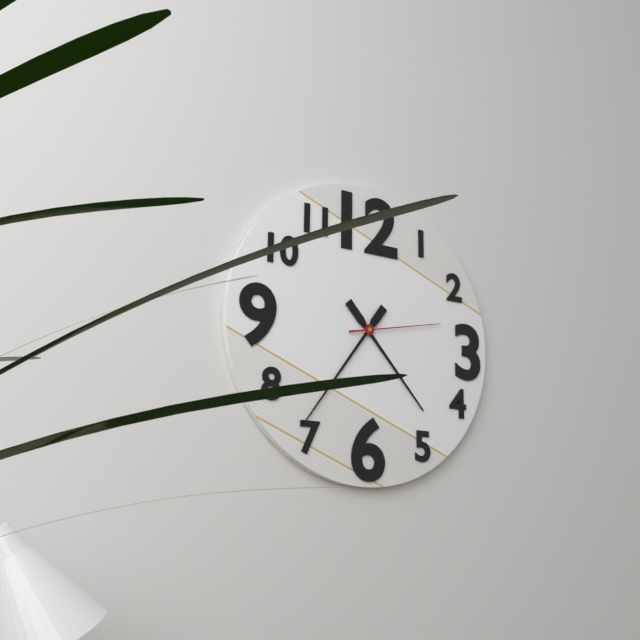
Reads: 4.36.13
